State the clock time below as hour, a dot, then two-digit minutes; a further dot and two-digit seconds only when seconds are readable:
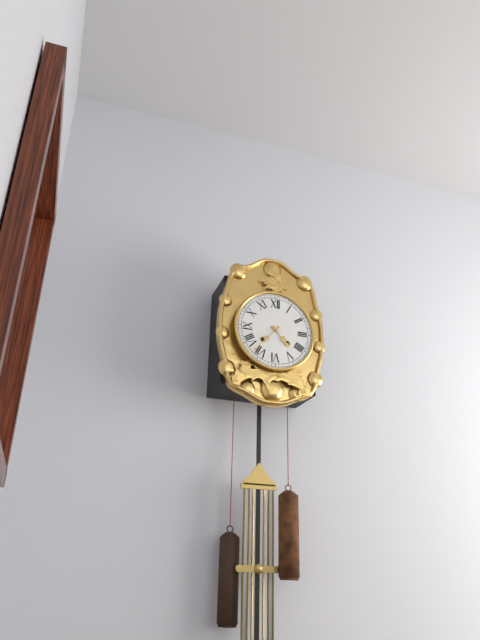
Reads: 4.37
